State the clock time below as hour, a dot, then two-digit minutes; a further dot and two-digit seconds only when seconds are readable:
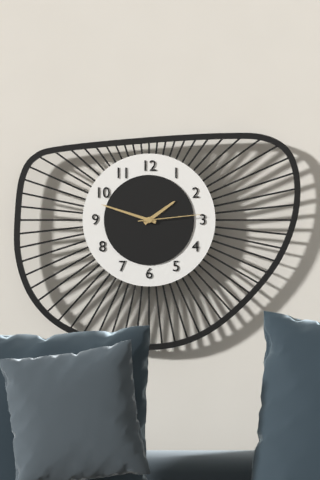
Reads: 1.48.14
